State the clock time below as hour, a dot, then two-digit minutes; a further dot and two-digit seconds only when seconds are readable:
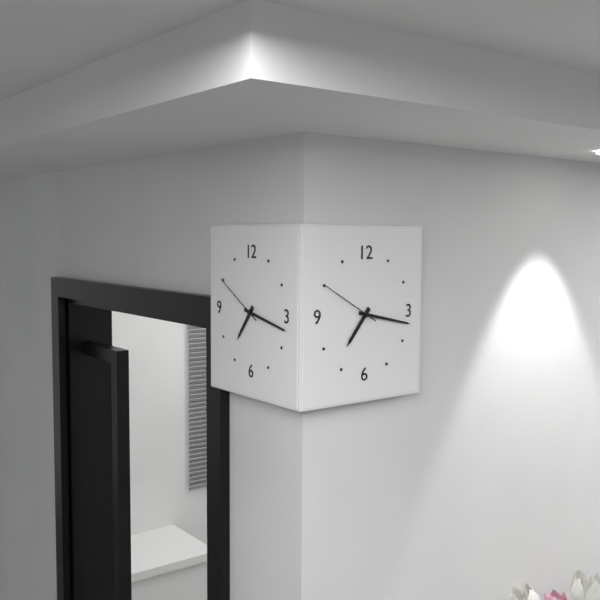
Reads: 7.17.50
